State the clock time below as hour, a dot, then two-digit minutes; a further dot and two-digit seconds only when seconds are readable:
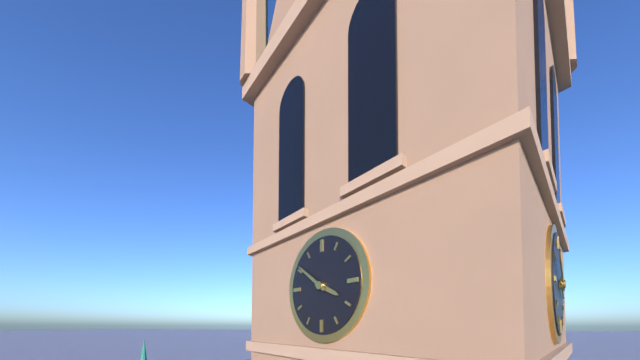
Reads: 3.51
